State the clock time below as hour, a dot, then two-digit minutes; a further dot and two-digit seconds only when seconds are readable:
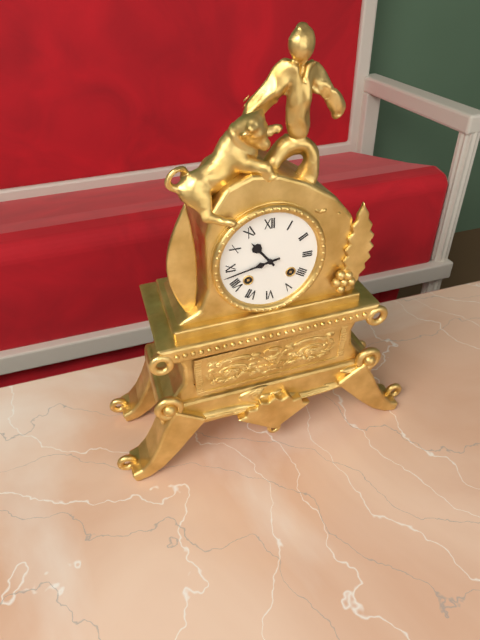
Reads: 10.43
